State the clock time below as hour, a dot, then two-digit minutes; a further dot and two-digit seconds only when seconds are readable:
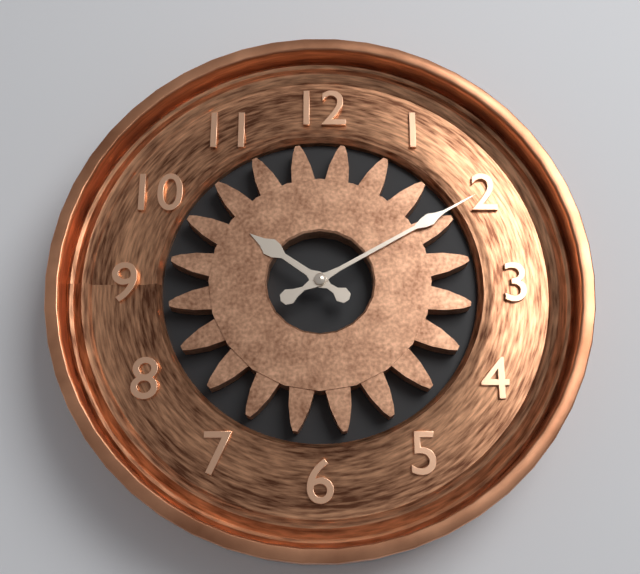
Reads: 10.10
